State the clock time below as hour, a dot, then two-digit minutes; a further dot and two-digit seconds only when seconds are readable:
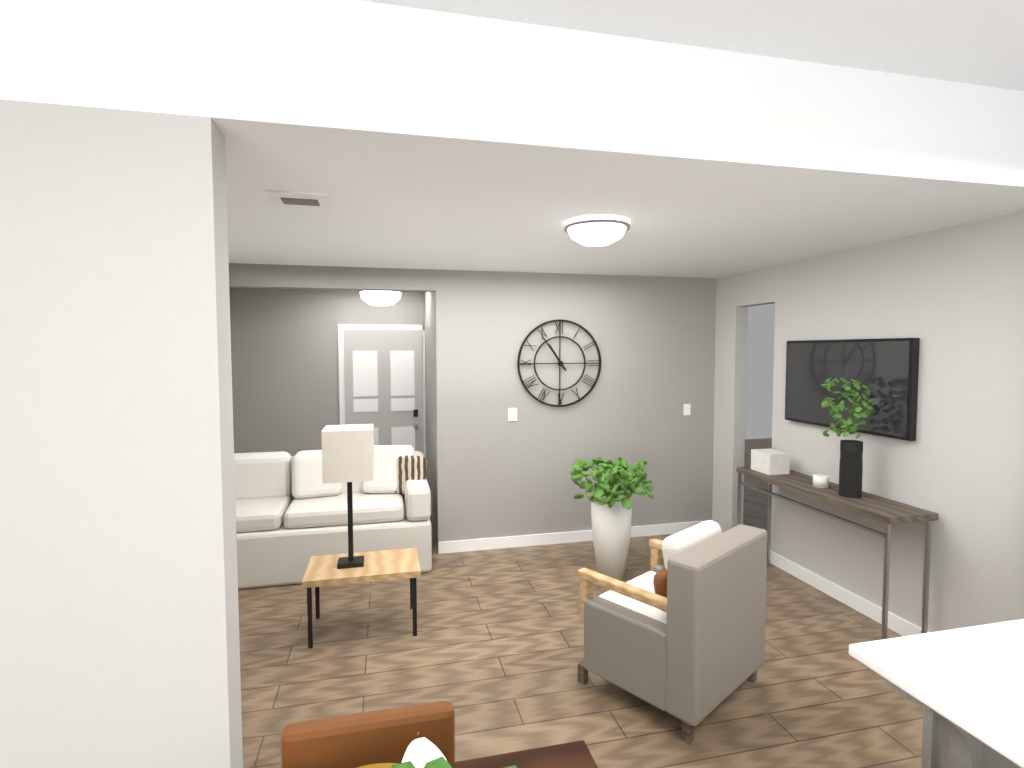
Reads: 10.54
